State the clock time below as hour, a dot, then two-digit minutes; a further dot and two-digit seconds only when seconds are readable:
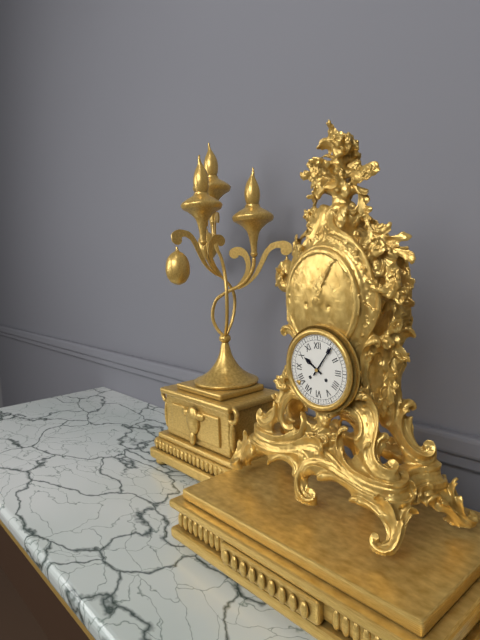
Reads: 10.06
